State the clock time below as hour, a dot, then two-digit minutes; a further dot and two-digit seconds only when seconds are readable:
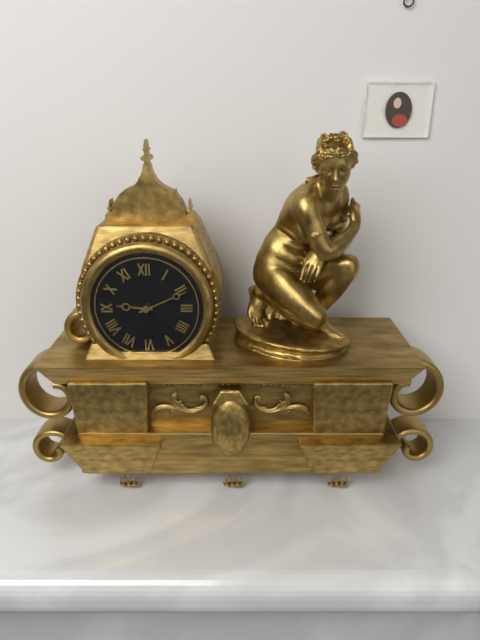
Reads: 9.11
